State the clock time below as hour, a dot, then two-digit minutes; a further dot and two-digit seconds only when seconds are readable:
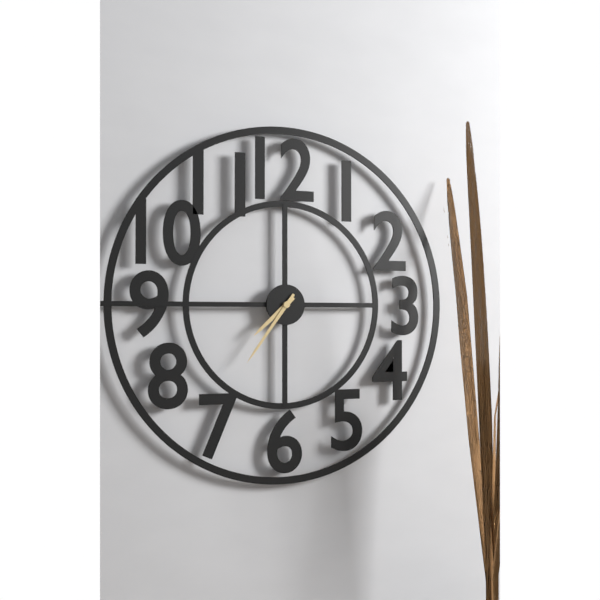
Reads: 7.36
